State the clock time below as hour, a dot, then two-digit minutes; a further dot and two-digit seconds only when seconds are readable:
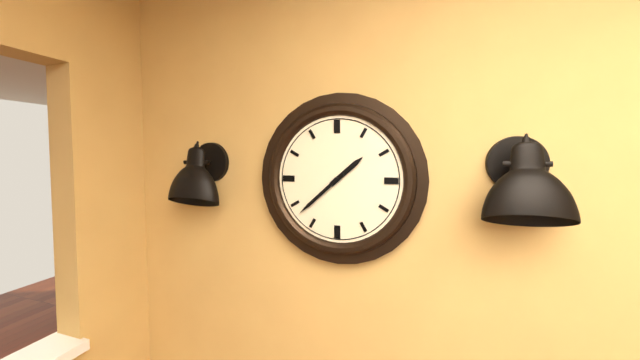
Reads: 1.38
